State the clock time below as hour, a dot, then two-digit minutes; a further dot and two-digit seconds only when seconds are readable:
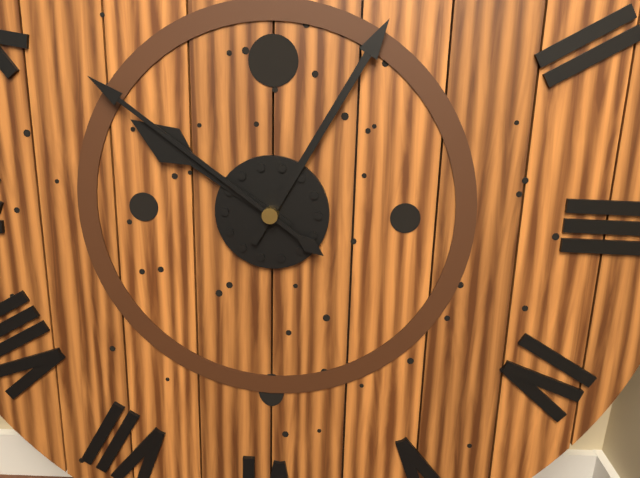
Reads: 10.05.51
